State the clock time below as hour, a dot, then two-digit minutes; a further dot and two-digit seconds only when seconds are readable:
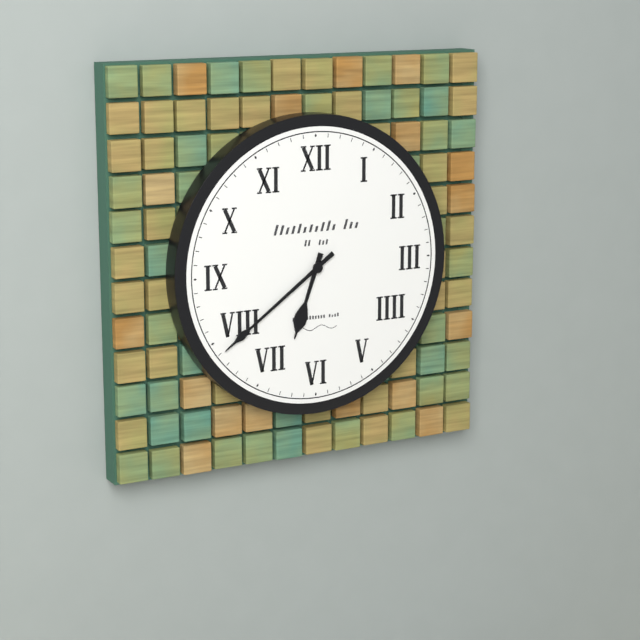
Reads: 6.39
